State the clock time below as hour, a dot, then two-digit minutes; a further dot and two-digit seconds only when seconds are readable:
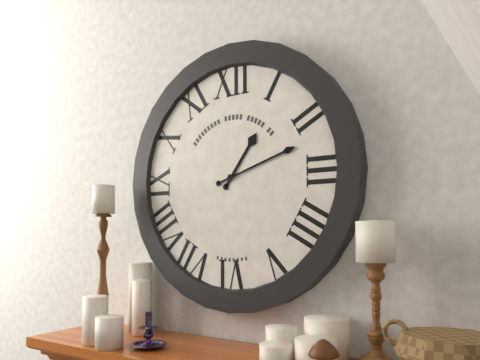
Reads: 1.12
